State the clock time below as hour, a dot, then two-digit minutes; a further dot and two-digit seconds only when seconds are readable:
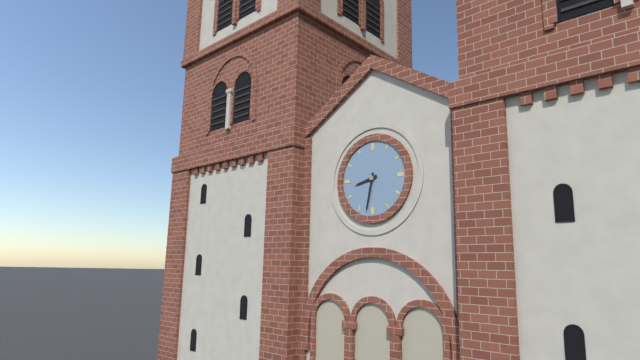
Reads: 8.32
